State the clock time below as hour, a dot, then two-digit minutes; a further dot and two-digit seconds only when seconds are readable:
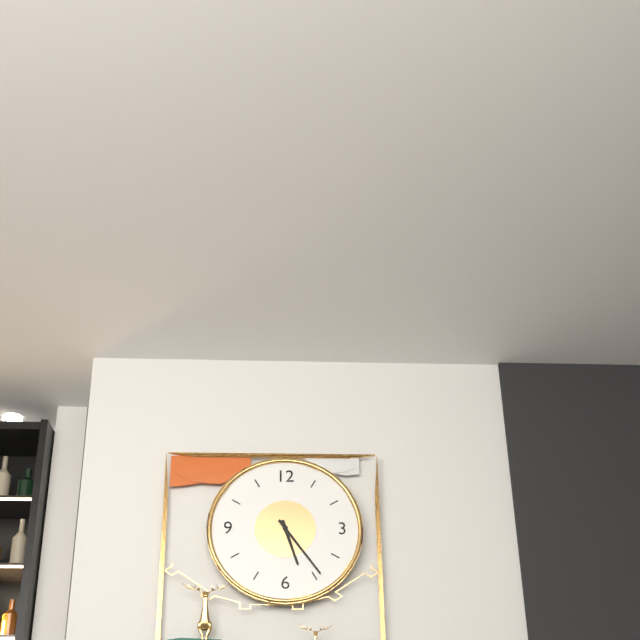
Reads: 5.24
